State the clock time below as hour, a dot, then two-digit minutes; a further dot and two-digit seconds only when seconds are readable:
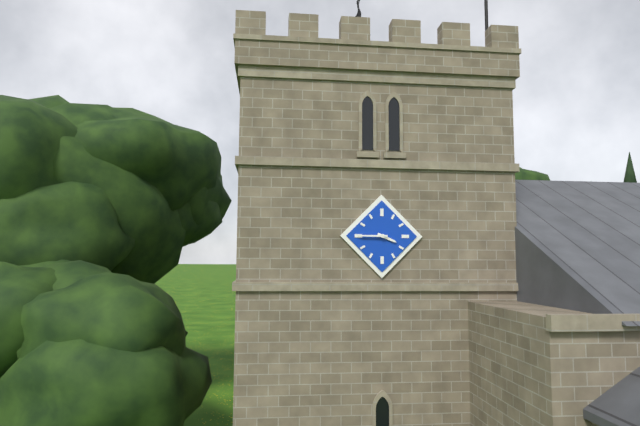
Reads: 3.45
